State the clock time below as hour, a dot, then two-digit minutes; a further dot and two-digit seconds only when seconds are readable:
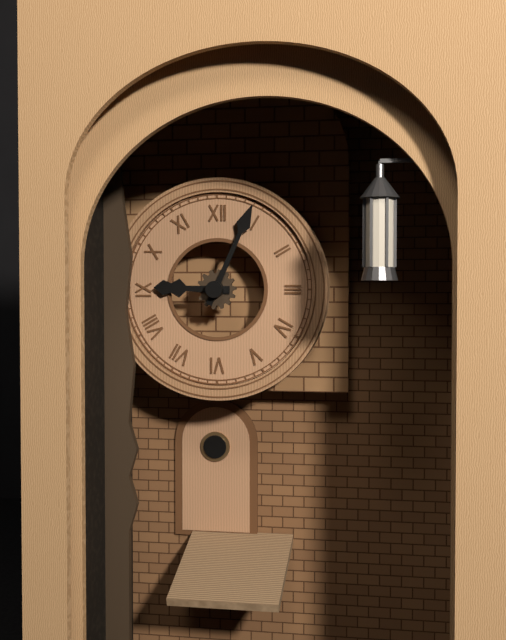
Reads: 9.04
